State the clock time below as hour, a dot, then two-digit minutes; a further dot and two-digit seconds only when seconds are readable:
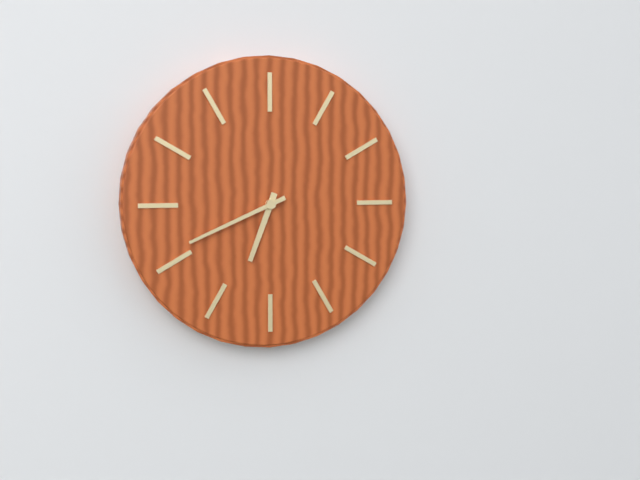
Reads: 6.41
